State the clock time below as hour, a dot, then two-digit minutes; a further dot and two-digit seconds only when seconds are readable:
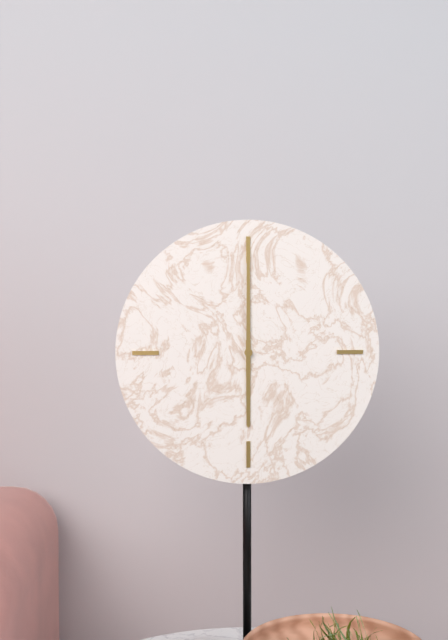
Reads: 6.00
